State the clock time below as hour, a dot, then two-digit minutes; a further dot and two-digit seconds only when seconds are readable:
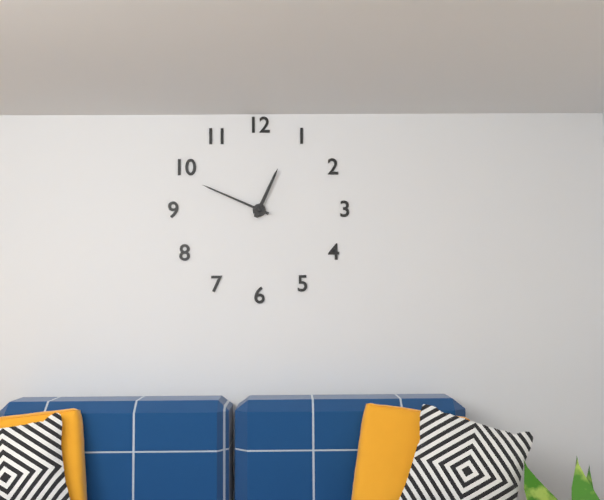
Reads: 12.49
